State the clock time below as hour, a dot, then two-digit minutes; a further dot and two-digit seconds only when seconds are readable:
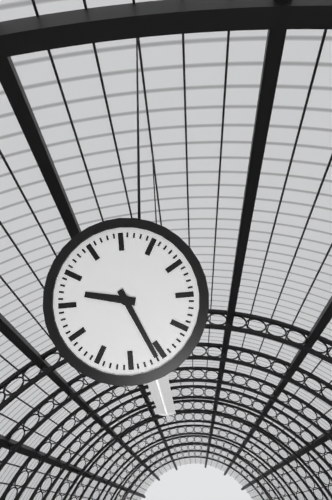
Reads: 9.26
